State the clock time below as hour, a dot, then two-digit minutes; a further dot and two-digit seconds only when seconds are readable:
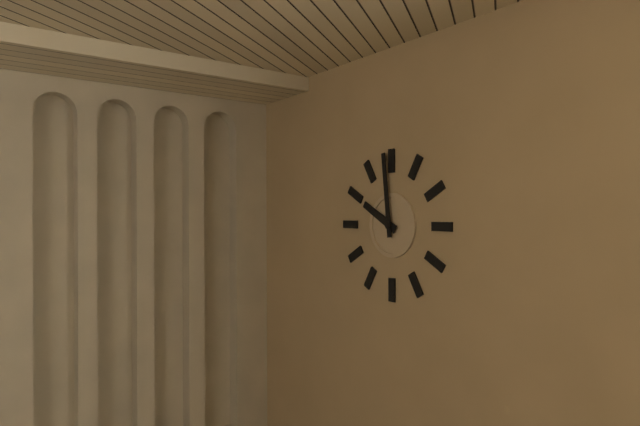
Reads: 9.59
